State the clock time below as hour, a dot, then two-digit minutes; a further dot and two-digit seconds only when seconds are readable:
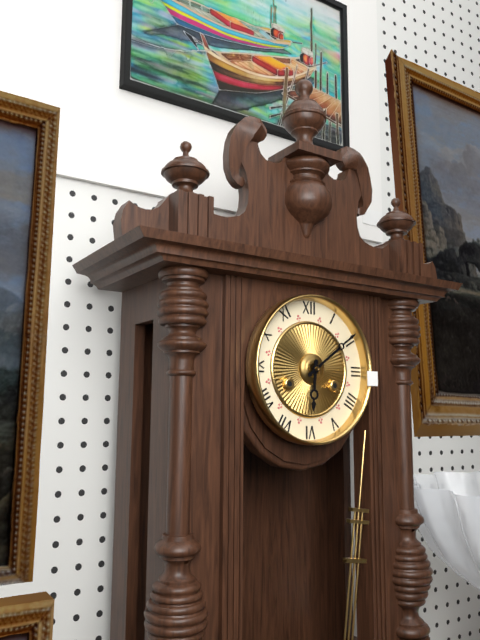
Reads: 6.09
